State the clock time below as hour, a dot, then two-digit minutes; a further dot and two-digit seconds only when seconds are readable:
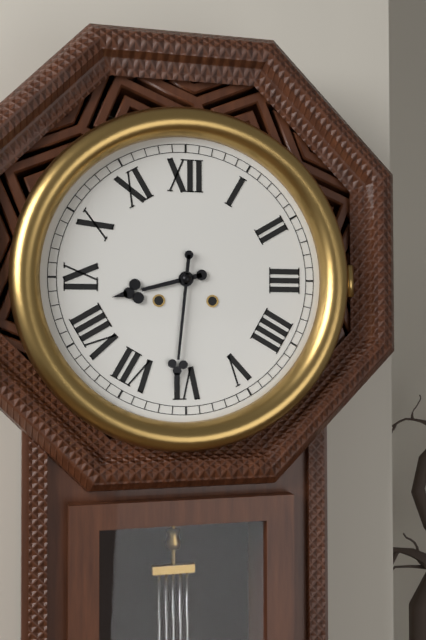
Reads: 8.31
